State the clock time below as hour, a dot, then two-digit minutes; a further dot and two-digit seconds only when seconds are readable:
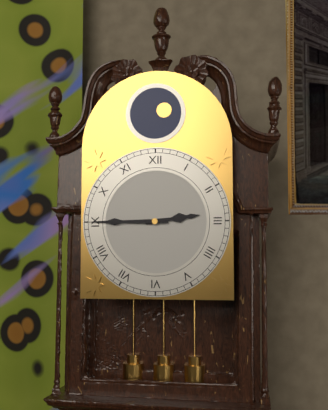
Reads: 2.45
